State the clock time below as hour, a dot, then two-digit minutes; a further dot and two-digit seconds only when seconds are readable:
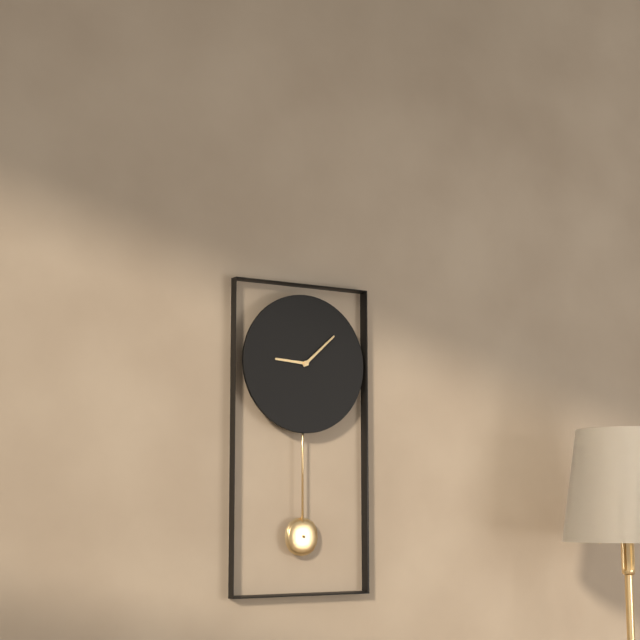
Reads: 9.08
